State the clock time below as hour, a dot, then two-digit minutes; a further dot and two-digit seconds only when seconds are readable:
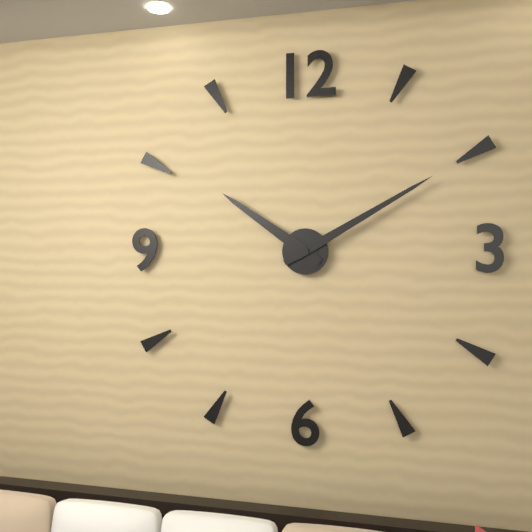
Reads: 10.10
